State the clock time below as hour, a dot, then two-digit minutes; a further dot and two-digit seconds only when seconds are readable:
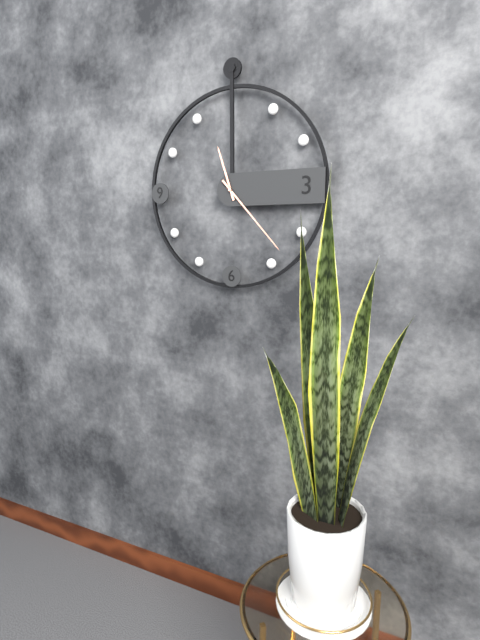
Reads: 11.23
